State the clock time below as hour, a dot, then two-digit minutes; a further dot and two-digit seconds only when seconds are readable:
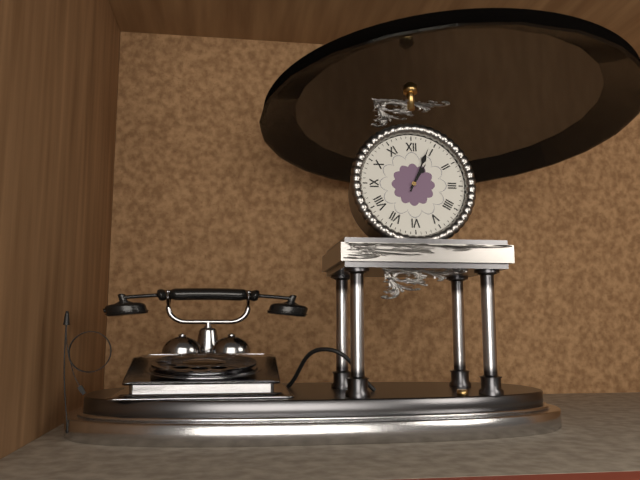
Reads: 1.04
